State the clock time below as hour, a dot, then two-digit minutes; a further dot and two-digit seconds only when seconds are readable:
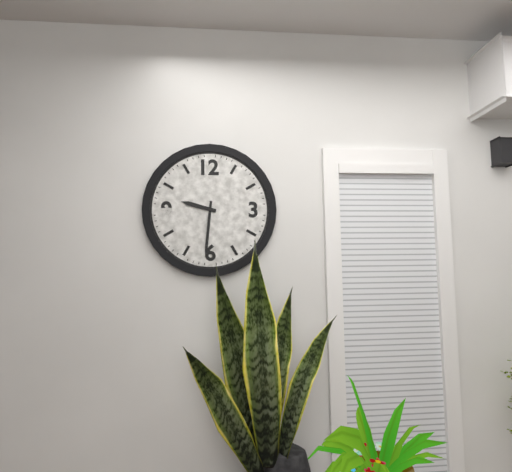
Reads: 9.31
